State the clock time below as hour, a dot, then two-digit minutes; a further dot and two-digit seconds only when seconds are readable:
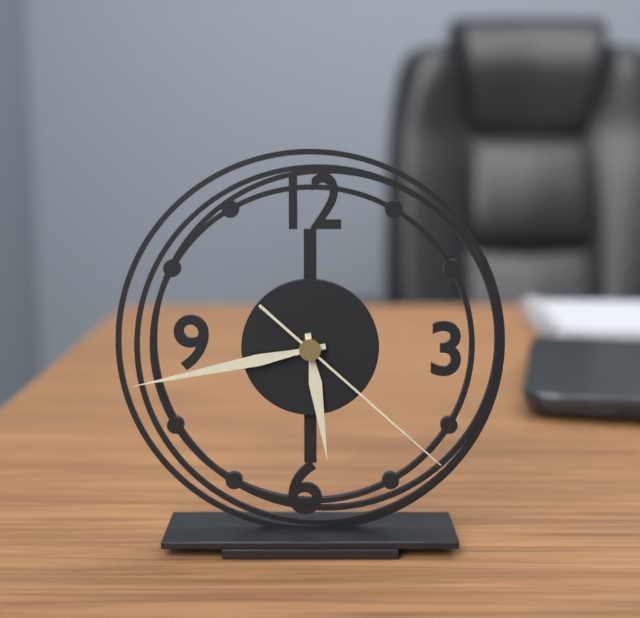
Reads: 5.43.22
